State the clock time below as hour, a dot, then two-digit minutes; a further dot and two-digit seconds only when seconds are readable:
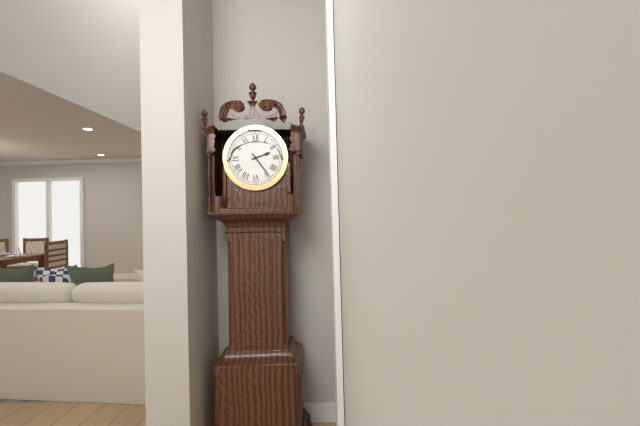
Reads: 2.24
